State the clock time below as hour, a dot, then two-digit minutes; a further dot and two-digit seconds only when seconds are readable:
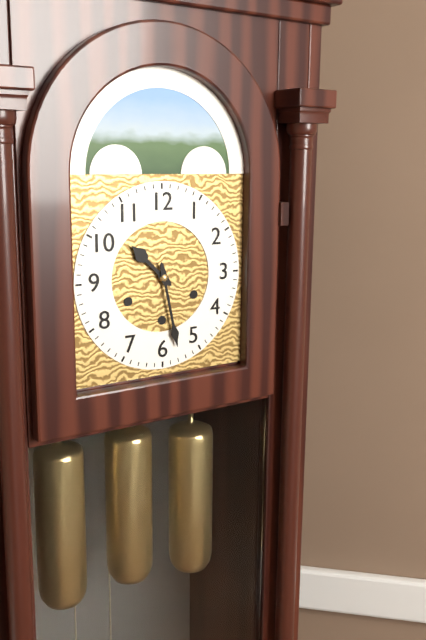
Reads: 10.28
